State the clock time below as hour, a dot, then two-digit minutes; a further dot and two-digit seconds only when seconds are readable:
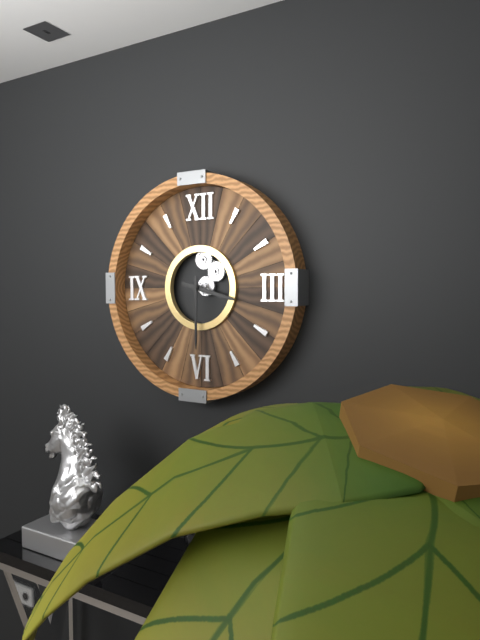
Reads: 3.30
